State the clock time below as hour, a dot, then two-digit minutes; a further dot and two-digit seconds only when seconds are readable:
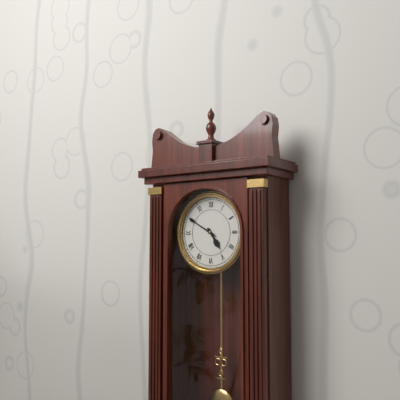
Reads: 4.50
